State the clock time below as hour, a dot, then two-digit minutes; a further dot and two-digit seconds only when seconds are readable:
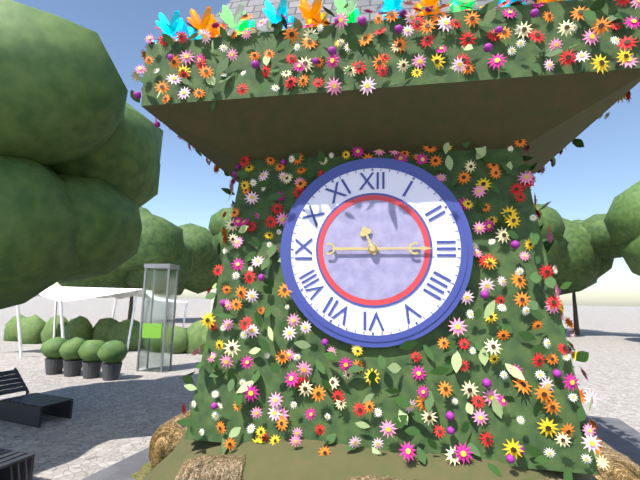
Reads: 11.15
